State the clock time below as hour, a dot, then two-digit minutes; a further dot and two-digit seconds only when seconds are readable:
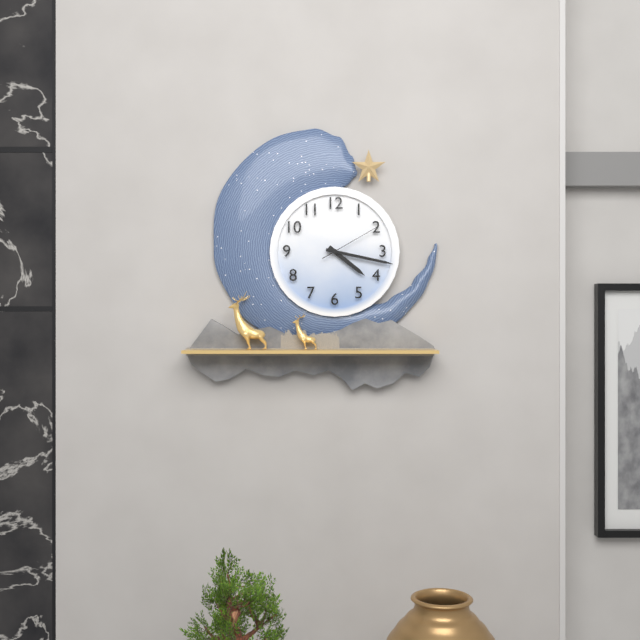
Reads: 4.17.10
